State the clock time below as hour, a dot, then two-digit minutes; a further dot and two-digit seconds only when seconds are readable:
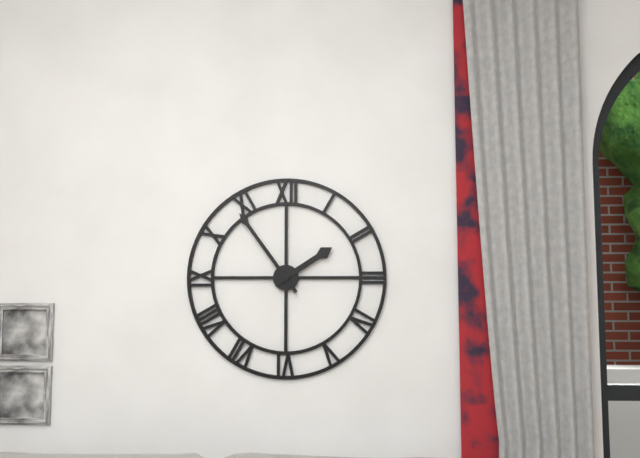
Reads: 1.54
